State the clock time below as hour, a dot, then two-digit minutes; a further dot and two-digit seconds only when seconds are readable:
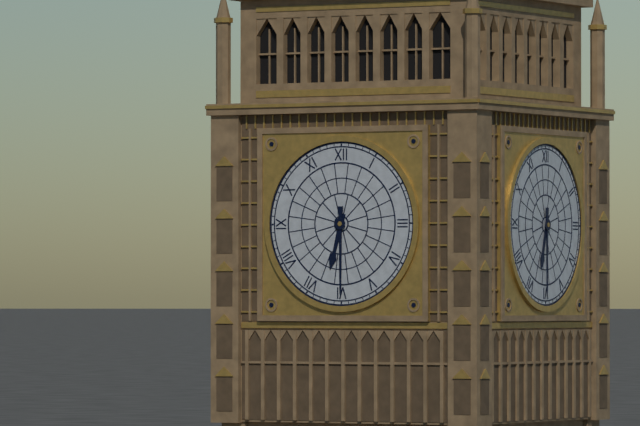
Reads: 6.30
